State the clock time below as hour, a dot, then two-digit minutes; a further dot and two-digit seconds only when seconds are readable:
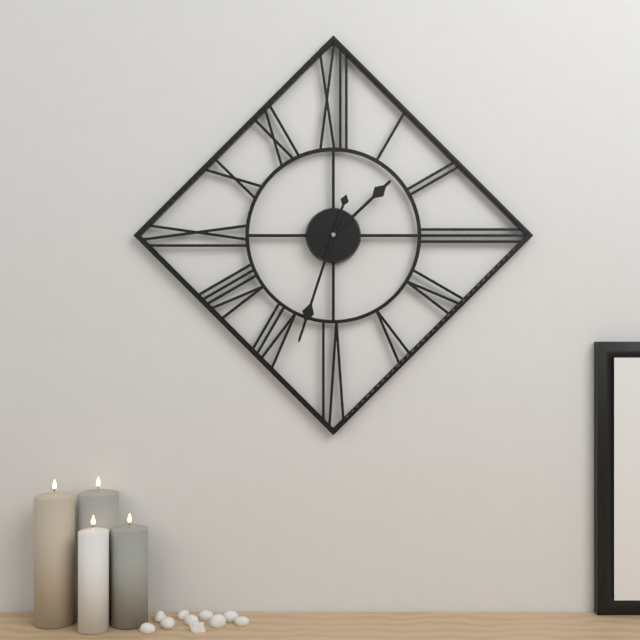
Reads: 1.33
